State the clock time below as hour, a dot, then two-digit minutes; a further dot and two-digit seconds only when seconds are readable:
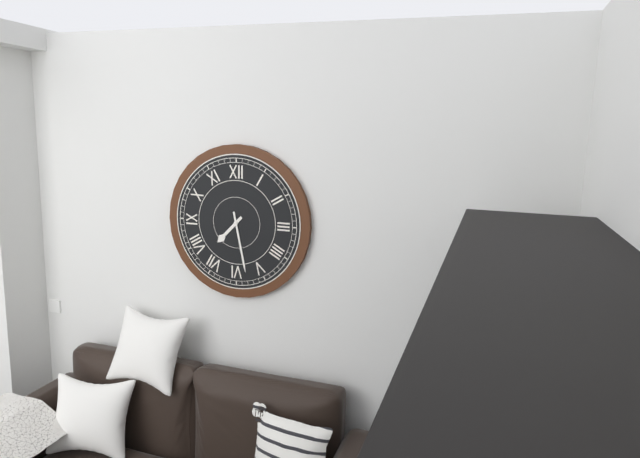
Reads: 7.28
